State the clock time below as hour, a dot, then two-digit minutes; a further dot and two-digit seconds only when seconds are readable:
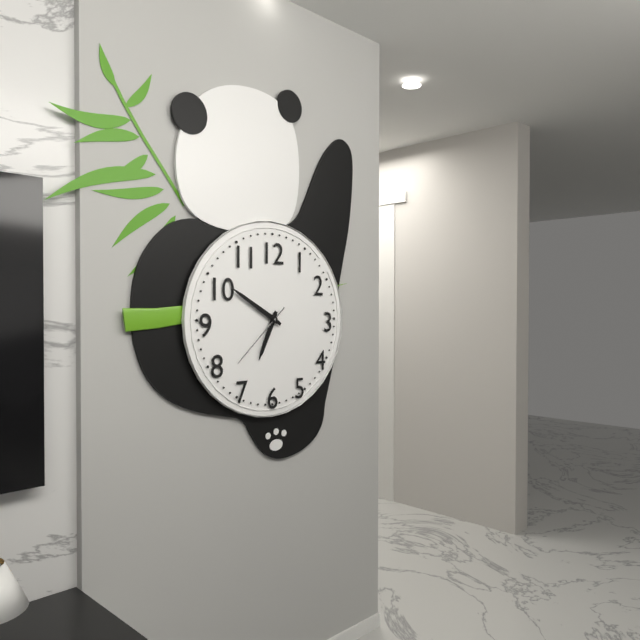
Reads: 6.50.38
